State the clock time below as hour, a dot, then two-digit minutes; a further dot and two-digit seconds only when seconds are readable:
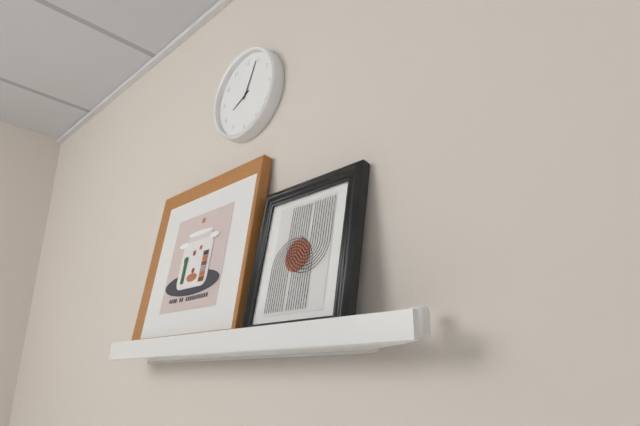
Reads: 8.04
